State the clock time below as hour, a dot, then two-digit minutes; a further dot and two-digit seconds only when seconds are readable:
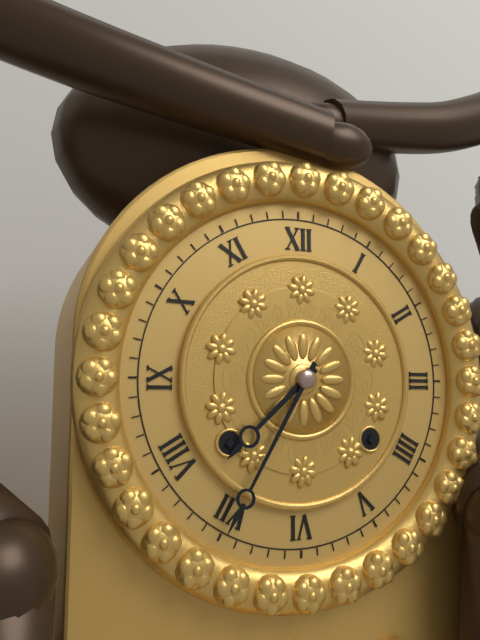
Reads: 7.35
